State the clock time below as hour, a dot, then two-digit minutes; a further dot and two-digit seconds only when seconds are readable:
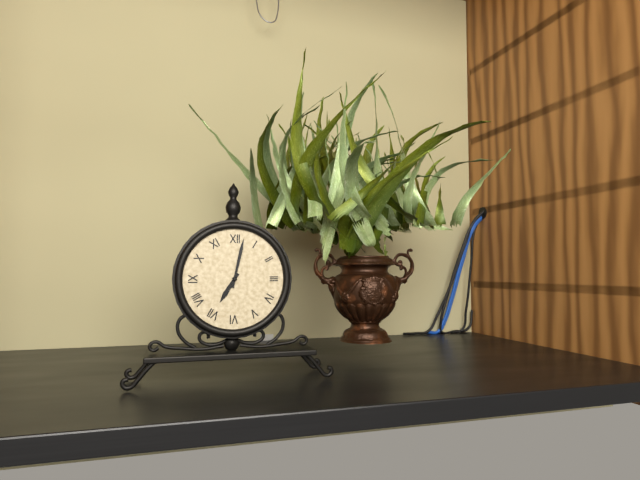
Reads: 7.02
